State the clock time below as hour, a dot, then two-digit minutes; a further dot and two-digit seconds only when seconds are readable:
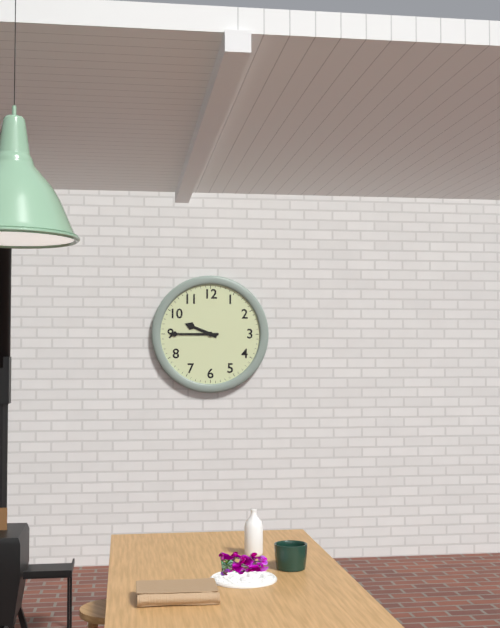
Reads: 9.45
